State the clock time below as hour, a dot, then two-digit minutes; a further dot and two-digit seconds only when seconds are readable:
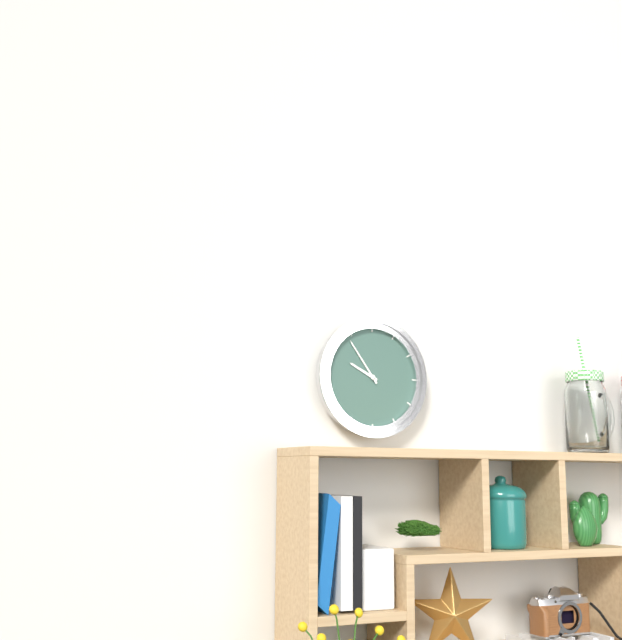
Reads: 9.54
